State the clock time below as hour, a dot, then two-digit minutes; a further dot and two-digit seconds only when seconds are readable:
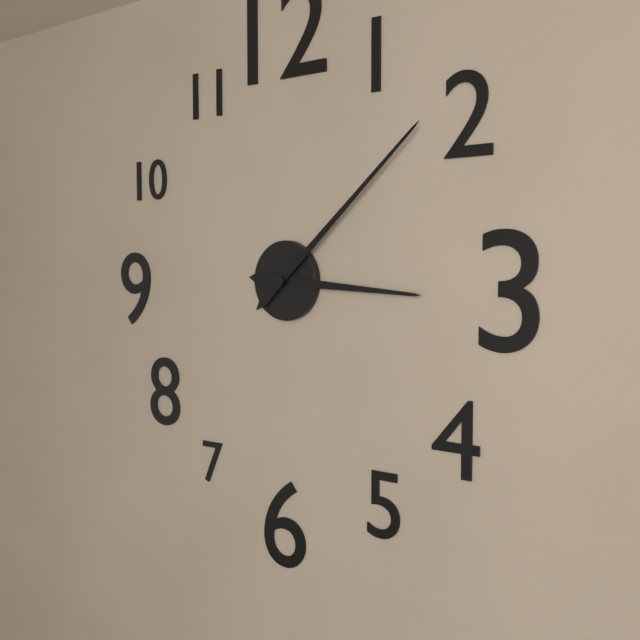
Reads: 3.08
